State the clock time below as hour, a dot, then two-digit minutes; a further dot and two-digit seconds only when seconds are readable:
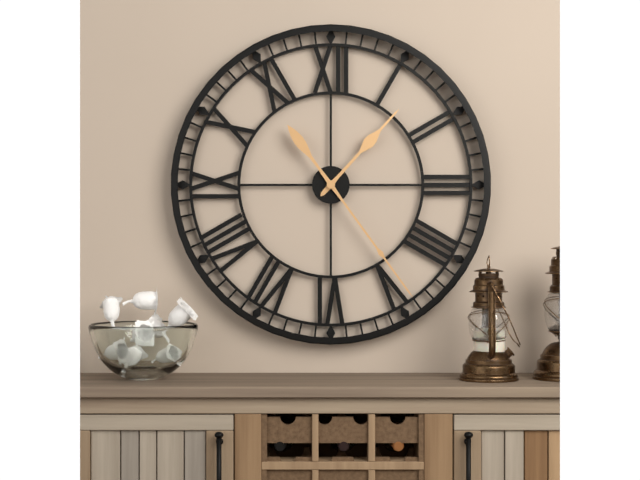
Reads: 1.24
